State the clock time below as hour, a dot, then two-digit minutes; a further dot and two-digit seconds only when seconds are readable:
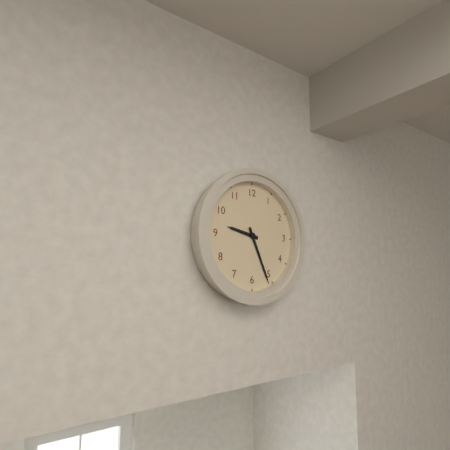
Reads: 9.26
